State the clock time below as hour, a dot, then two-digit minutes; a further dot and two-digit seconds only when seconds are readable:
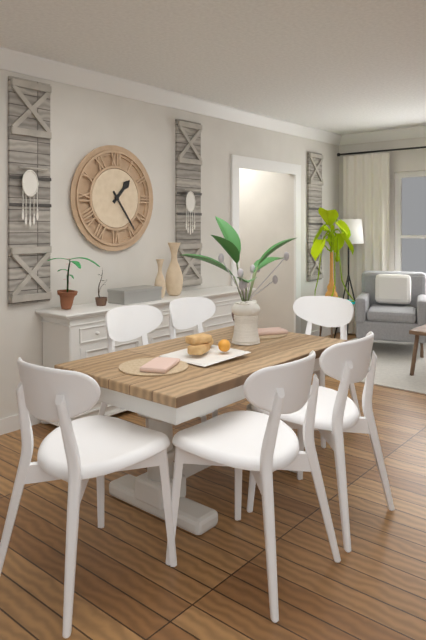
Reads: 1.24
